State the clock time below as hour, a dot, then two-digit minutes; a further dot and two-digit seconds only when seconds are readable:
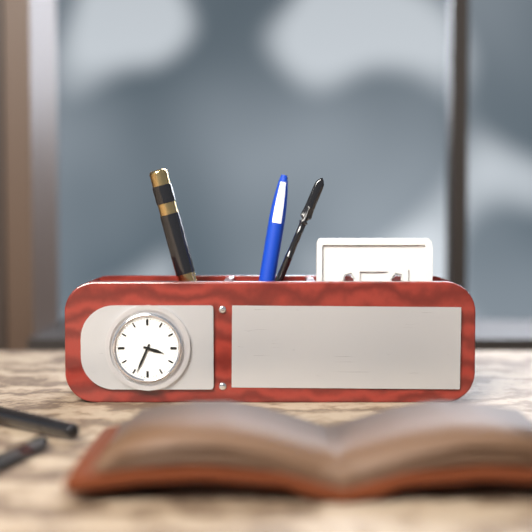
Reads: 3.34
